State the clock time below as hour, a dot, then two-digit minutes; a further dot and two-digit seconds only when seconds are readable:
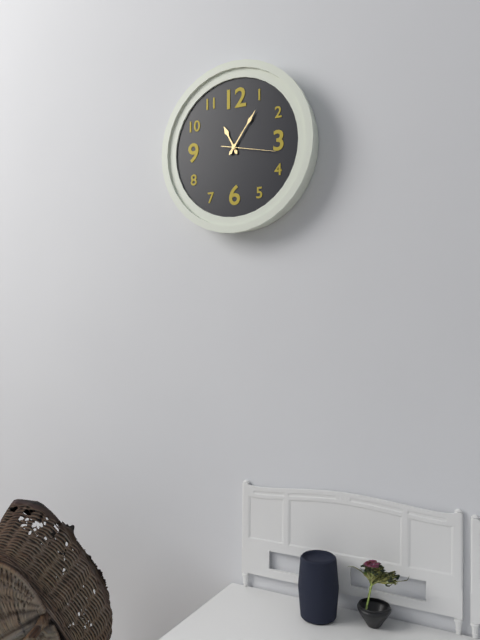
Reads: 11.06.17
